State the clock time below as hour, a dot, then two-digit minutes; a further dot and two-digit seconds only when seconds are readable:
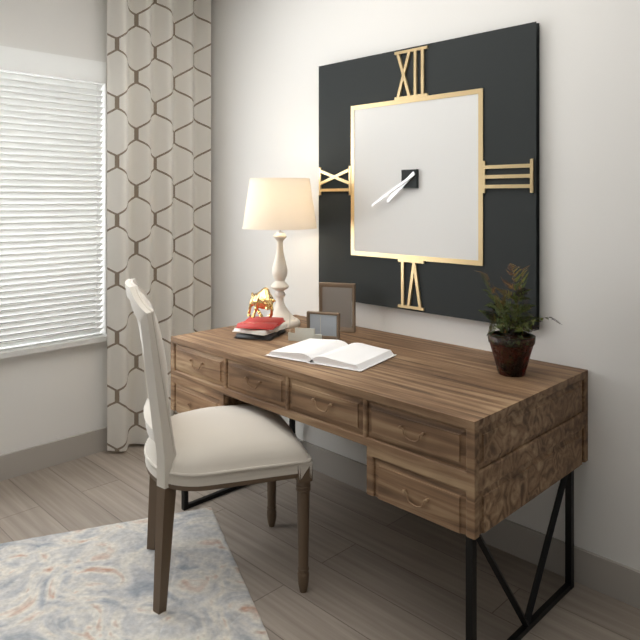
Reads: 7.40
